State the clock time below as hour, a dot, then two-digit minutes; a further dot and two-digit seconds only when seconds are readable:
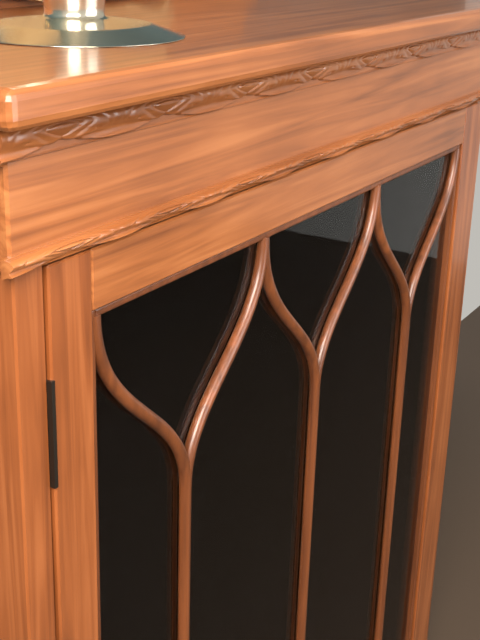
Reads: 8.21
